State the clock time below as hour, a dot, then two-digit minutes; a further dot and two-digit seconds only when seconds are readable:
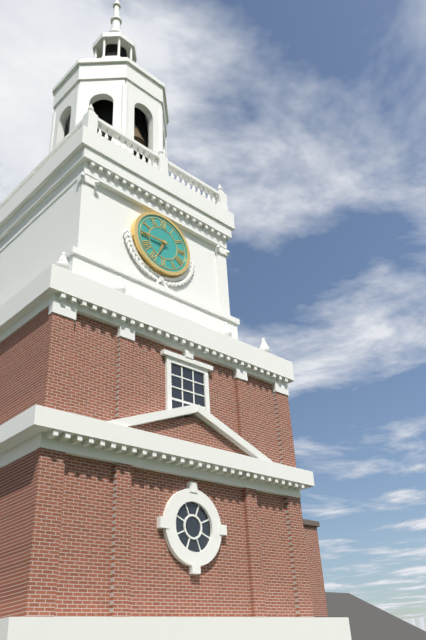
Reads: 6.45
